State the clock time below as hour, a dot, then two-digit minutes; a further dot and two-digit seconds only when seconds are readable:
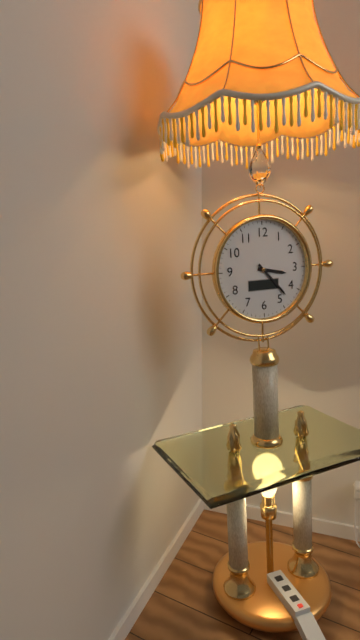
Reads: 3.23
